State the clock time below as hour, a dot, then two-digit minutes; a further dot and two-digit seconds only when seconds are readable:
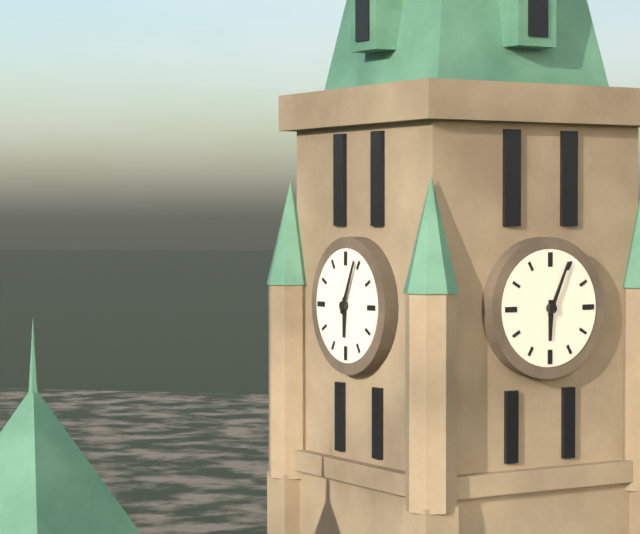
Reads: 6.04
